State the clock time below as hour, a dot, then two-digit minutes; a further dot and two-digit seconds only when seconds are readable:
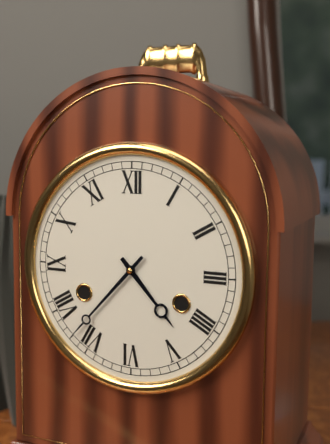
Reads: 4.37
